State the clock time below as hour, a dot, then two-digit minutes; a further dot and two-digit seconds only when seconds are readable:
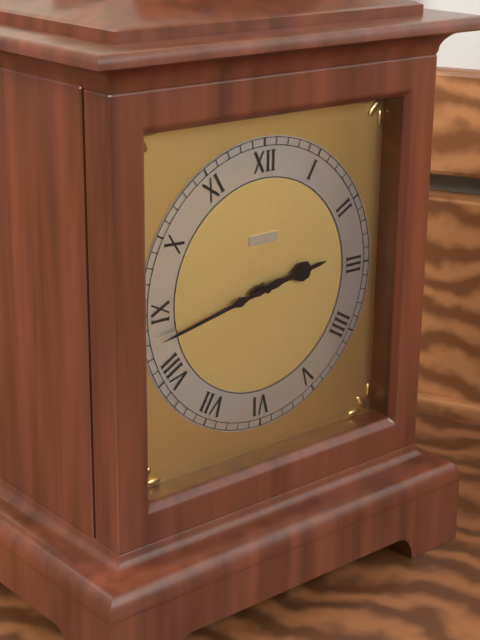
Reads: 2.43
